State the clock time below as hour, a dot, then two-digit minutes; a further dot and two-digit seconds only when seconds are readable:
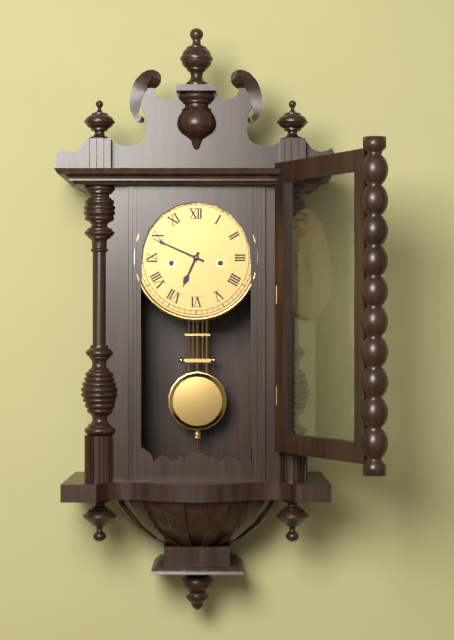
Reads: 6.49
